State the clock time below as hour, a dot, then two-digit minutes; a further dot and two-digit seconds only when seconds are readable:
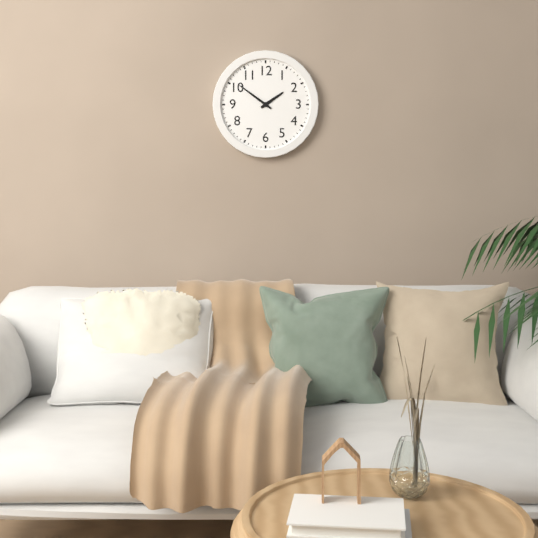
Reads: 1.51
